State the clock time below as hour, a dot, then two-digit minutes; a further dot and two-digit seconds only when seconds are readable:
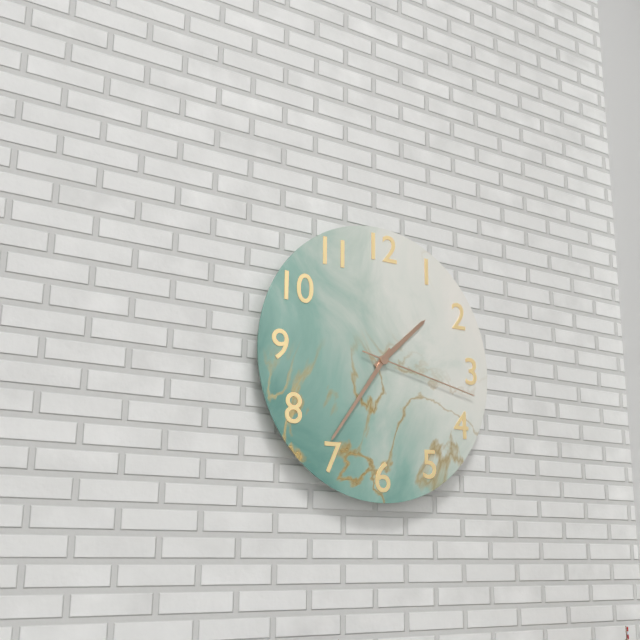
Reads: 1.36.17
